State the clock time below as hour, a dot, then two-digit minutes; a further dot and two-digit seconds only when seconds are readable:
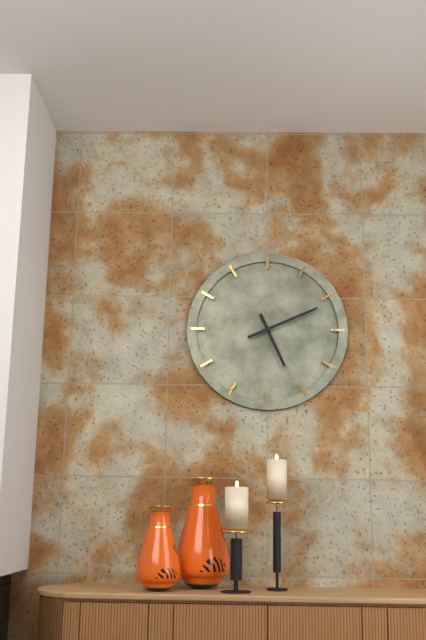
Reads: 5.11
